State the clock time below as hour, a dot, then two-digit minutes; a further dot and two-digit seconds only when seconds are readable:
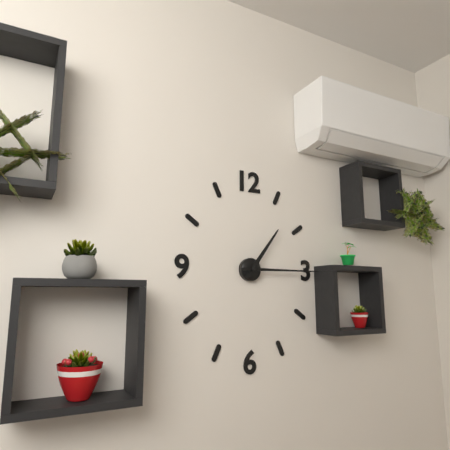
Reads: 1.15
